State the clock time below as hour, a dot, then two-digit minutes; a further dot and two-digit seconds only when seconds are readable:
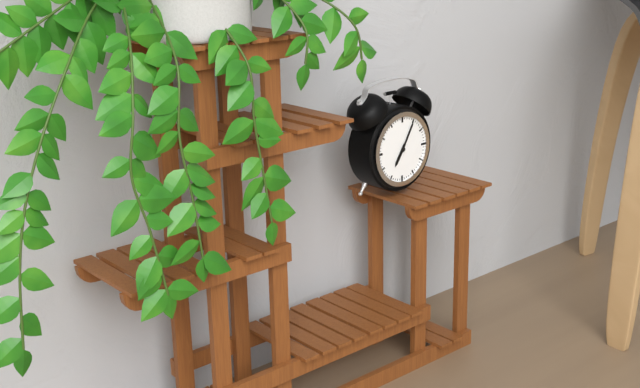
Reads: 7.05
